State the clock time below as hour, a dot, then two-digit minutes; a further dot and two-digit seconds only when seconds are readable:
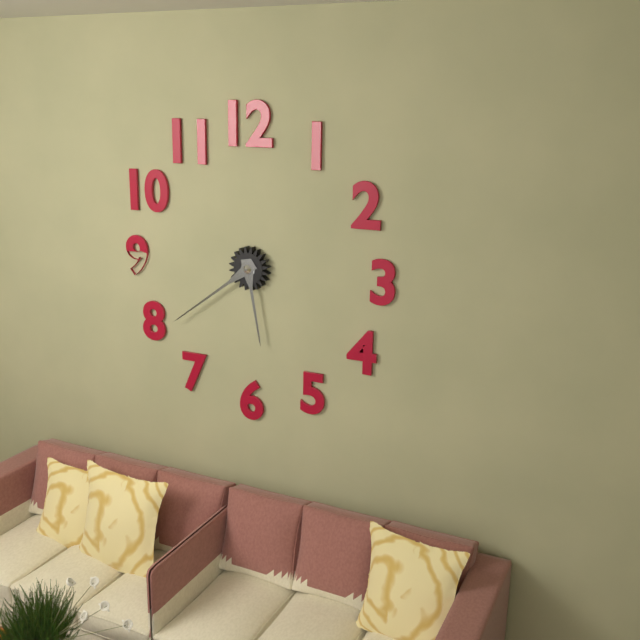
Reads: 5.39
